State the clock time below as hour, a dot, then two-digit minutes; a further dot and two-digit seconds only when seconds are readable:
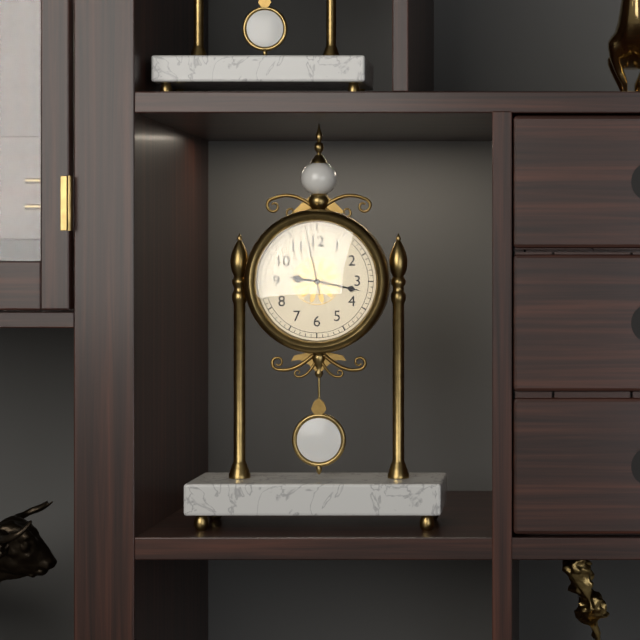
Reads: 9.17.58
